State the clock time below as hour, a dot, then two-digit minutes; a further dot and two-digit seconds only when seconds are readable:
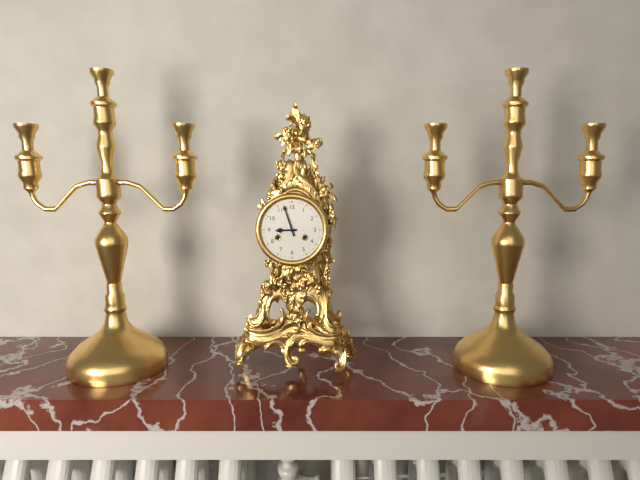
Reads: 8.57
